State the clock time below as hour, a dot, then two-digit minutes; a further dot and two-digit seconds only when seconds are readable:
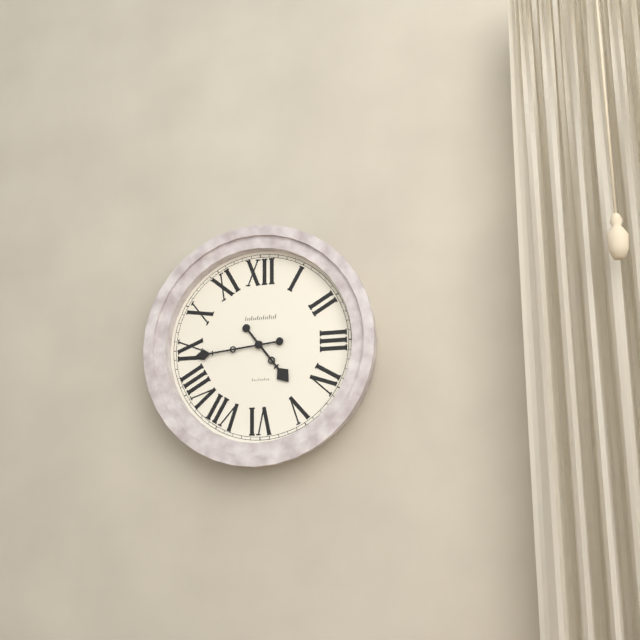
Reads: 4.44
